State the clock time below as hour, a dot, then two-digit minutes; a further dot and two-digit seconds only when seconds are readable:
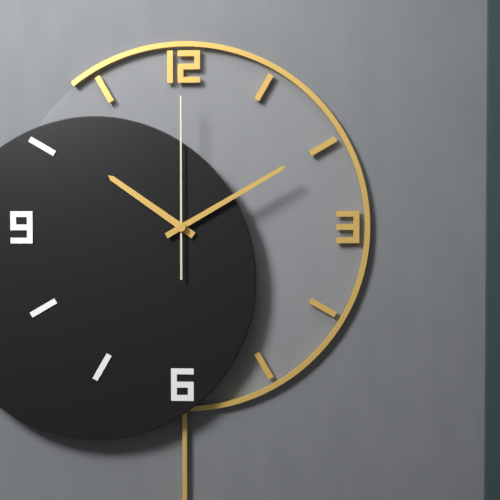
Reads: 10.10.00
